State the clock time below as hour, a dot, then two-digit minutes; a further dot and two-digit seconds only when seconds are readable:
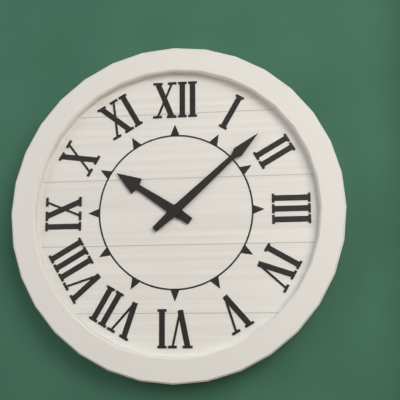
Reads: 10.08
